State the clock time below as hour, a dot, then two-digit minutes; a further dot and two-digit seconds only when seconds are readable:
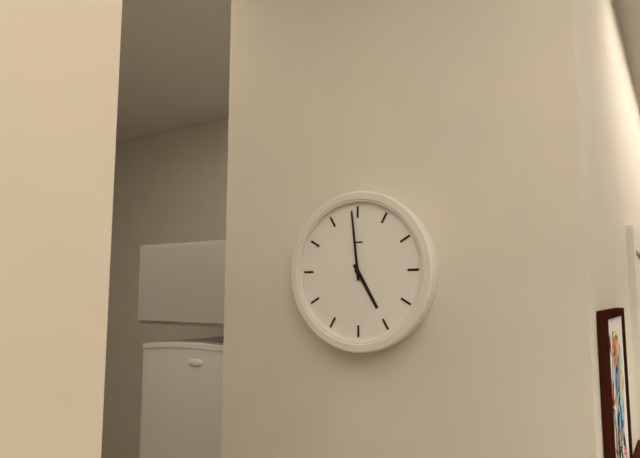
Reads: 4.59
